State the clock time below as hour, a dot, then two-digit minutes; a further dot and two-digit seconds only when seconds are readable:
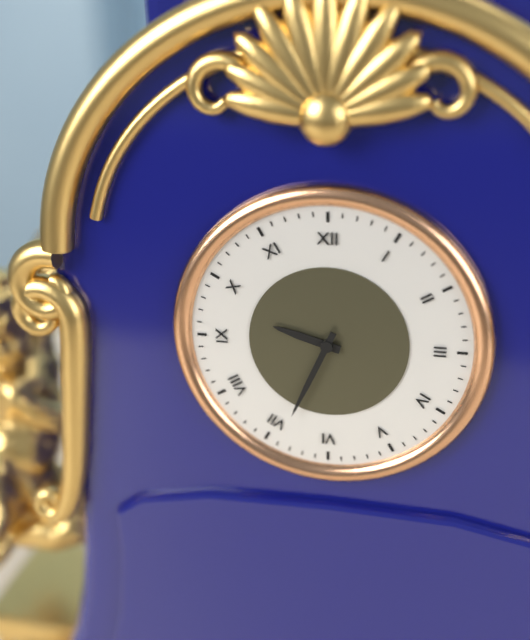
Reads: 9.34
